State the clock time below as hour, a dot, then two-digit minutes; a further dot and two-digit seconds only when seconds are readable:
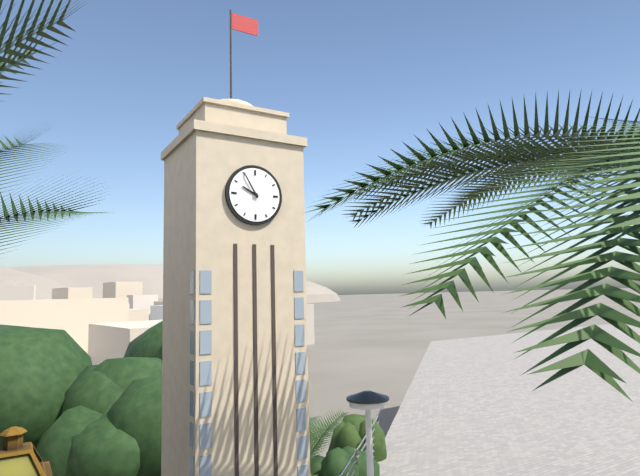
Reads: 9.55
